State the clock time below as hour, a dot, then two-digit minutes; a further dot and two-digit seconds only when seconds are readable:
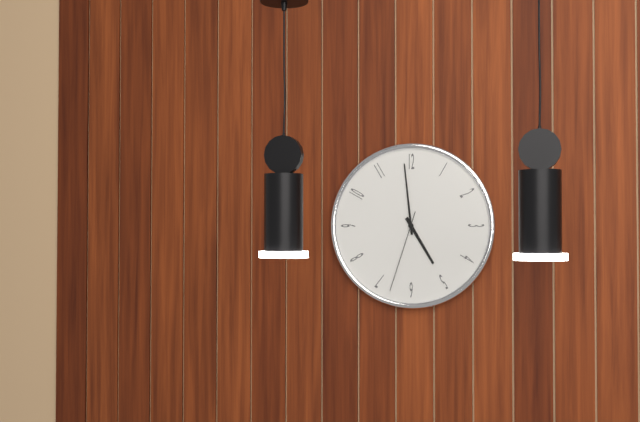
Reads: 4.59.33
